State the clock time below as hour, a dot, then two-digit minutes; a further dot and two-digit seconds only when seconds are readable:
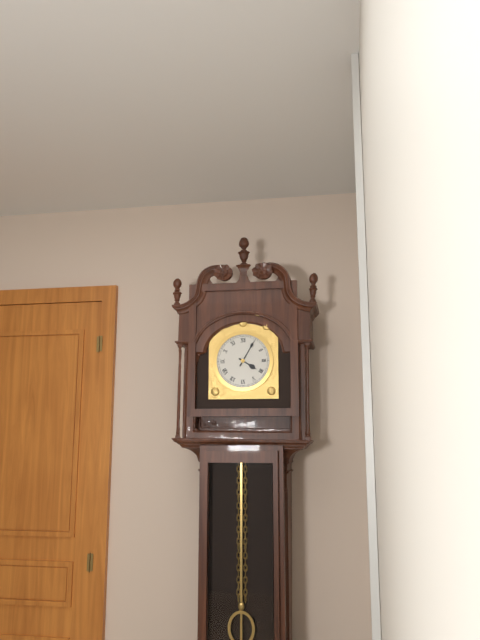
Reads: 4.05
